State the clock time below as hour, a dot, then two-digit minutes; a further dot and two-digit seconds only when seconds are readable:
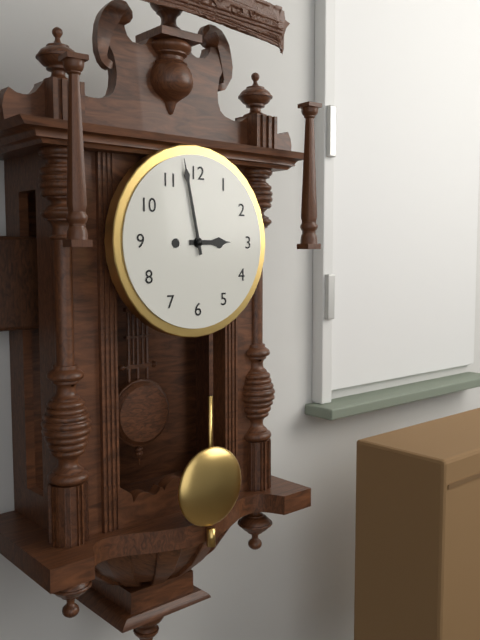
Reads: 2.58
